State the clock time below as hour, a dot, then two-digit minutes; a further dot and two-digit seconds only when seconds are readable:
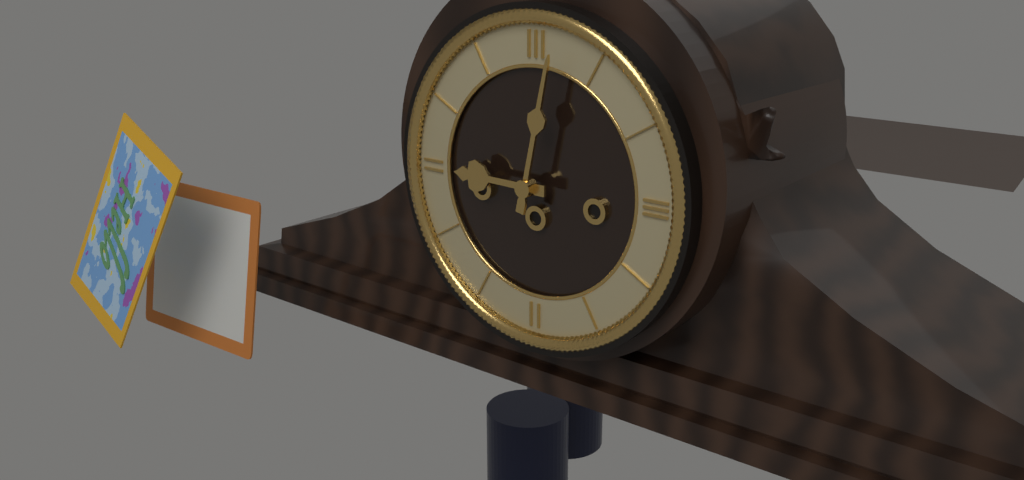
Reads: 9.02
